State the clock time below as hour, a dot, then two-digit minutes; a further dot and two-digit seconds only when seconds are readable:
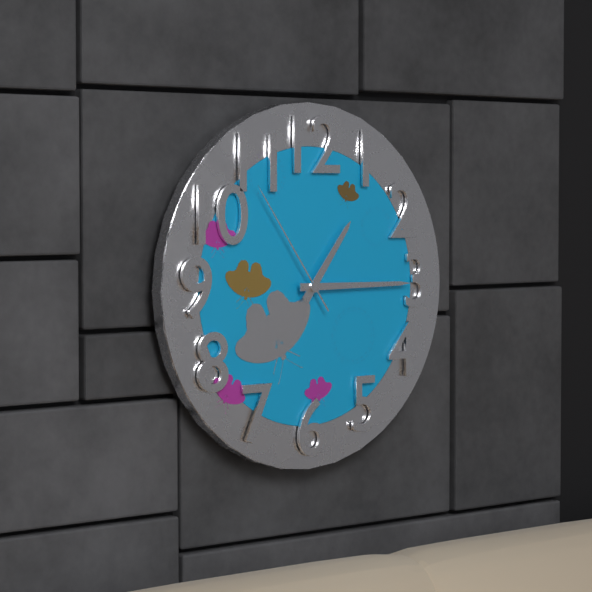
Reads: 1.15.54
